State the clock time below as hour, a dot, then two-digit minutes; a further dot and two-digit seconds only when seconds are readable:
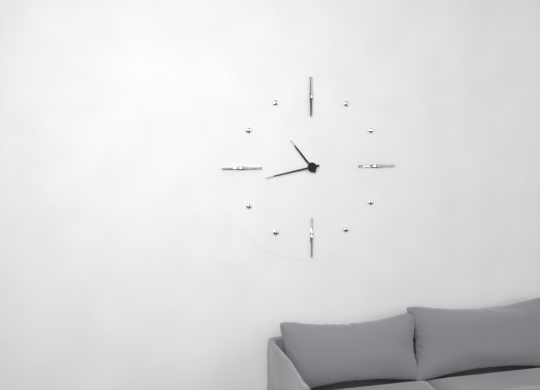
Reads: 10.43
